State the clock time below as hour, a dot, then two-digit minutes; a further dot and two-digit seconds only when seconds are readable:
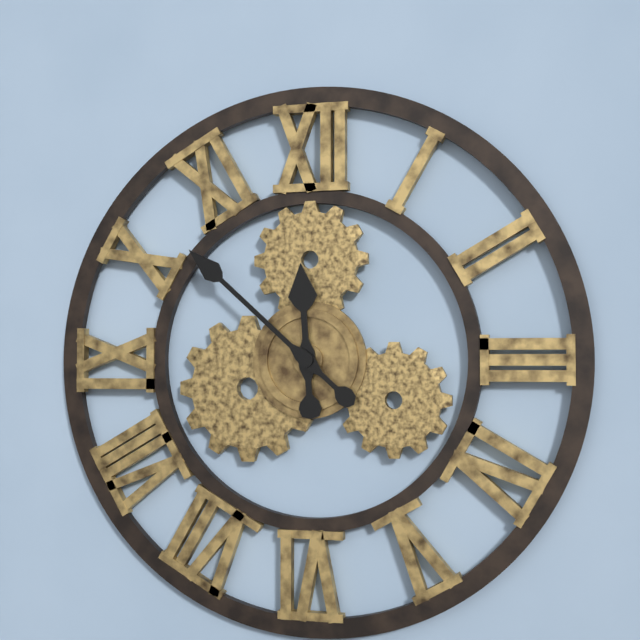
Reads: 11.52
